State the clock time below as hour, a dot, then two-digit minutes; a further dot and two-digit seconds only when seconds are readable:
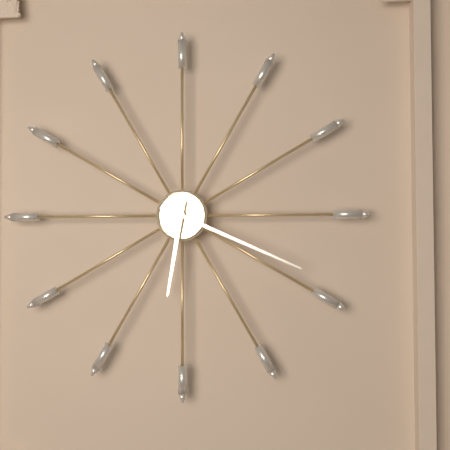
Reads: 6.19
